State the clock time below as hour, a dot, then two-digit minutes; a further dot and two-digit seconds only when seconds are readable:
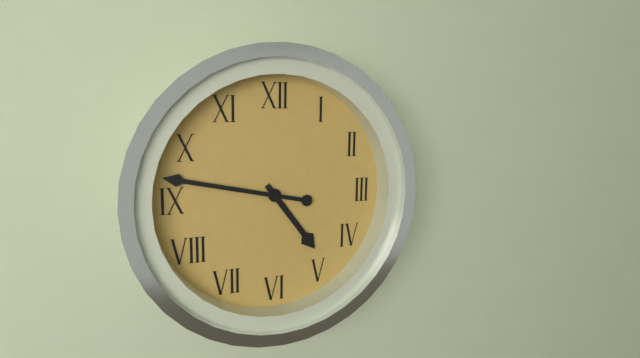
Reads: 4.47
